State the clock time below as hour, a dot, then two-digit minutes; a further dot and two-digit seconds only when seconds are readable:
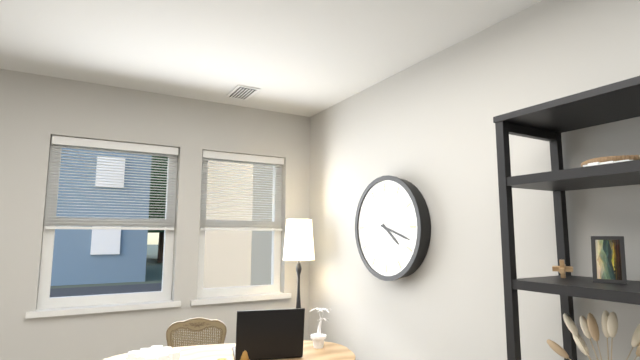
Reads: 4.18
